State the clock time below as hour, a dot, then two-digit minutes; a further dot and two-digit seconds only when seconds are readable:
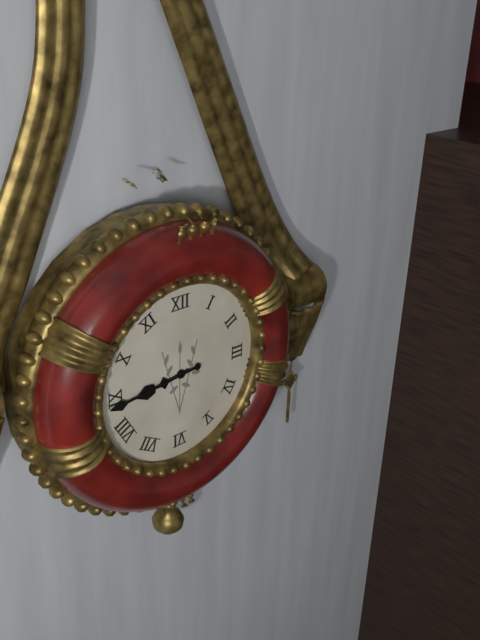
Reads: 8.44
